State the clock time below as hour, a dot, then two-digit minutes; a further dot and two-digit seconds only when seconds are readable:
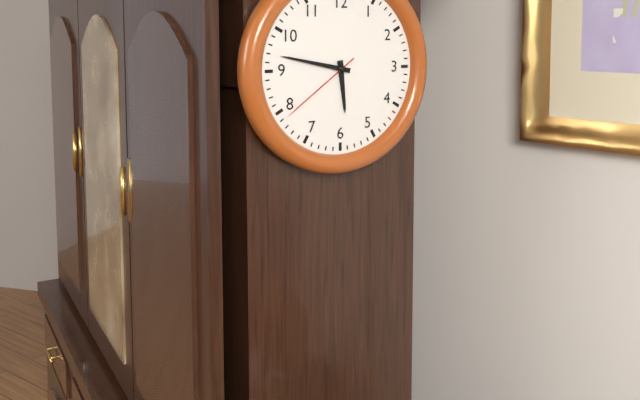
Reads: 5.47.39
